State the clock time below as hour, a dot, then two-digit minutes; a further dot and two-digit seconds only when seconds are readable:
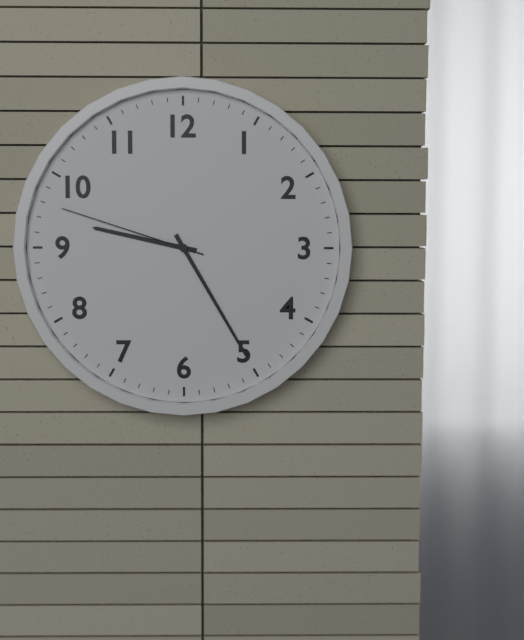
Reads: 9.25.48
